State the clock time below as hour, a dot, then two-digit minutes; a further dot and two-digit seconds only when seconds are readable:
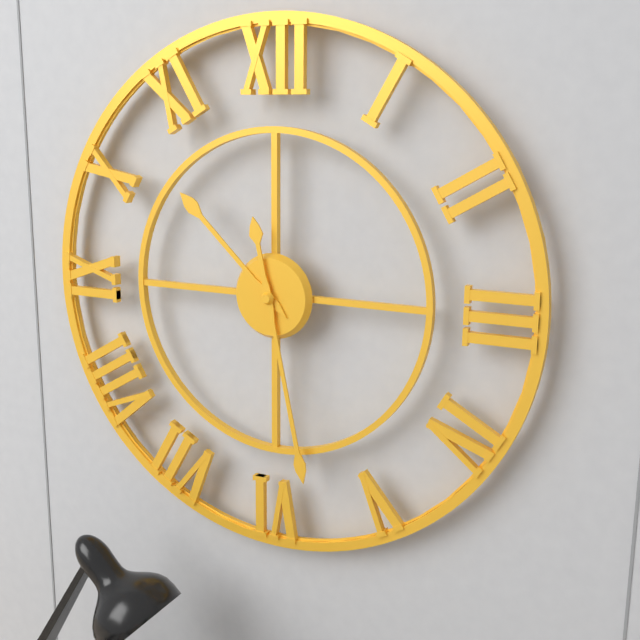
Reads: 10.28
